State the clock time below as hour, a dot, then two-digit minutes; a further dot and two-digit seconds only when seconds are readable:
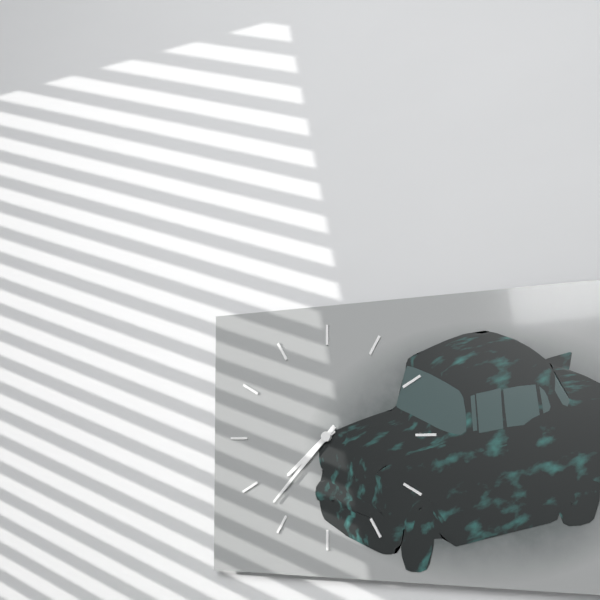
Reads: 7.37
